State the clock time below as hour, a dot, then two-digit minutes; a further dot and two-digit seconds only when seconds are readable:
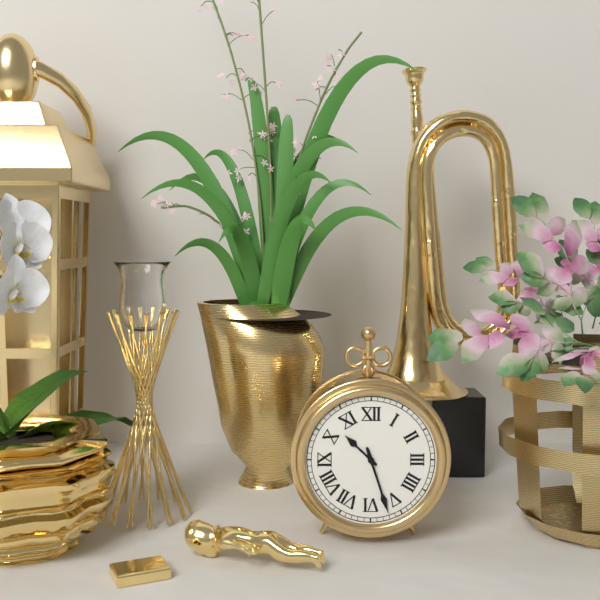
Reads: 10.27
